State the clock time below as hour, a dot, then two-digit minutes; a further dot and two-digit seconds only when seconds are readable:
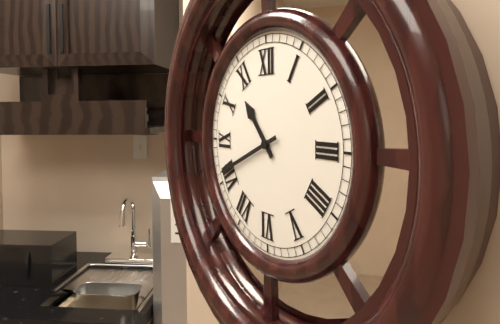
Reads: 10.41
